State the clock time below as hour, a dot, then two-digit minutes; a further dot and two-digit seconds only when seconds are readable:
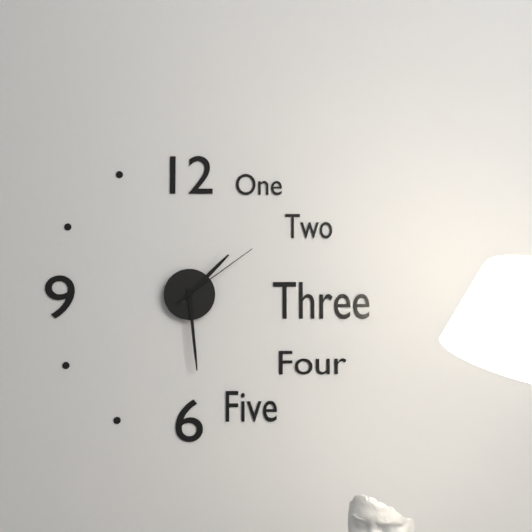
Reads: 1.29.09
